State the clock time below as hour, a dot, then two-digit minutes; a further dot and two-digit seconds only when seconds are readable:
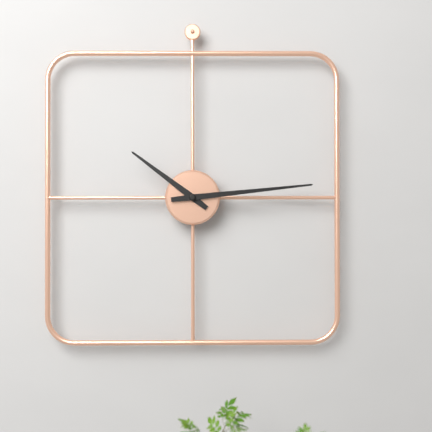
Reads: 10.14
